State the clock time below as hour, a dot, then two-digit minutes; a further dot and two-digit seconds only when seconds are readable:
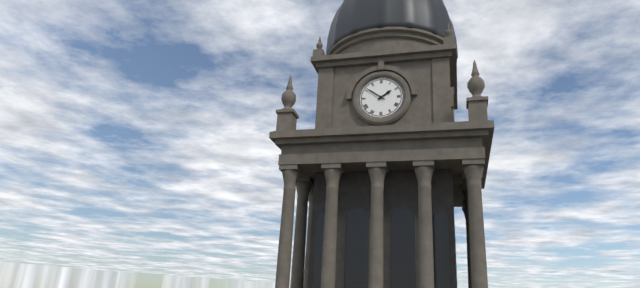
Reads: 1.51
